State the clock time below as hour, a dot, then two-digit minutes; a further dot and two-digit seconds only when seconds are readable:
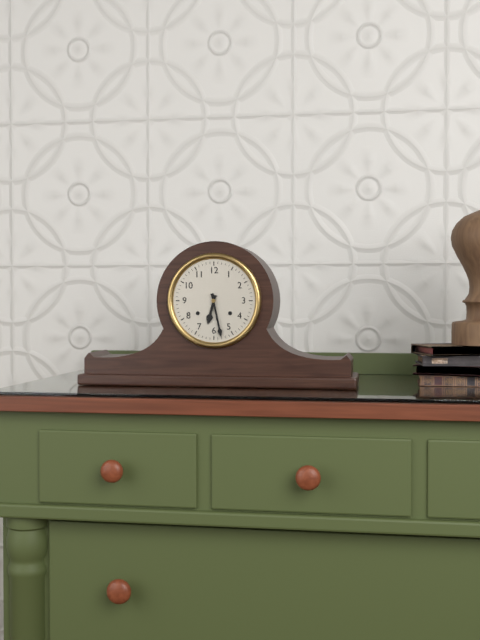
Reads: 6.28
